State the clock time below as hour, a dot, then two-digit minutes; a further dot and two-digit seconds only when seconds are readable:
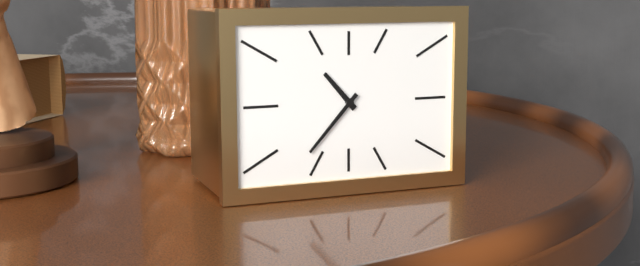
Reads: 10.37
